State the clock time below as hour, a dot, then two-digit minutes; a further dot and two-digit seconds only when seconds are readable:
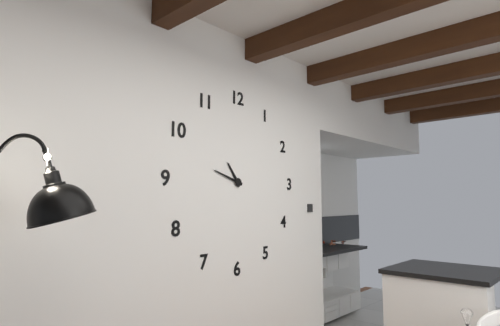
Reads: 10.48
